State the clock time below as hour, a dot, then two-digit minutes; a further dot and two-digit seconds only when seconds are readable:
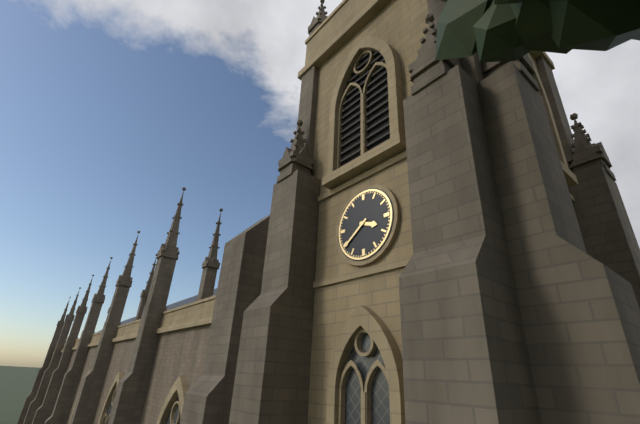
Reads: 3.39
